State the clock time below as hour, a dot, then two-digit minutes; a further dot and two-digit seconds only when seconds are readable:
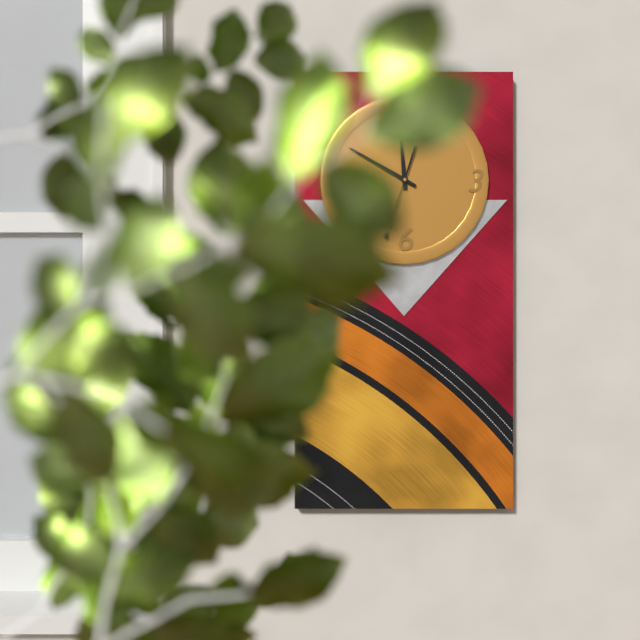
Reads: 11.50.33
